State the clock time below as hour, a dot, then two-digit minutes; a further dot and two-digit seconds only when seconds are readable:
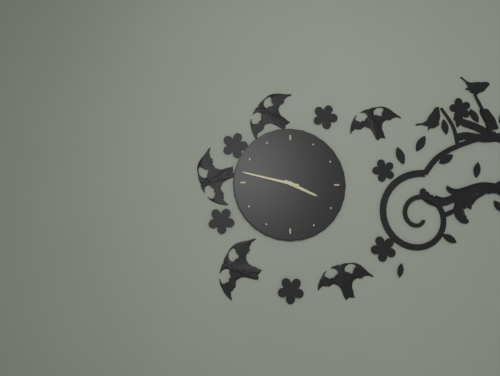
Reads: 3.47
